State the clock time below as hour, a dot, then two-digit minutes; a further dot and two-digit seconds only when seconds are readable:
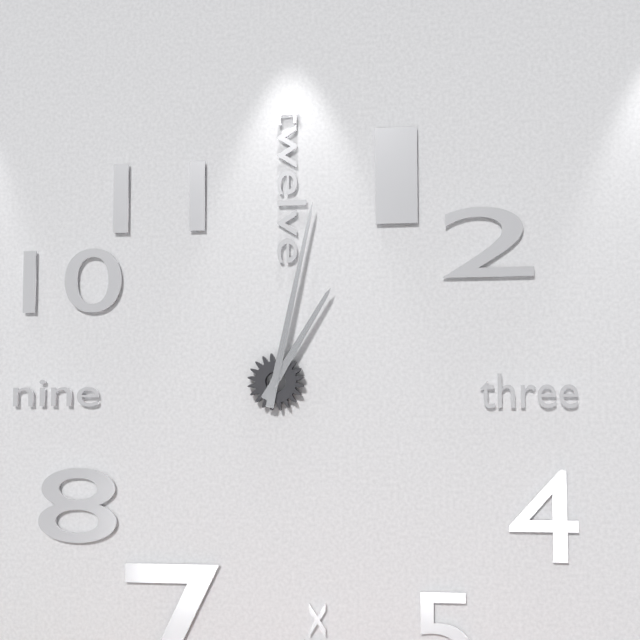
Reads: 1.02
